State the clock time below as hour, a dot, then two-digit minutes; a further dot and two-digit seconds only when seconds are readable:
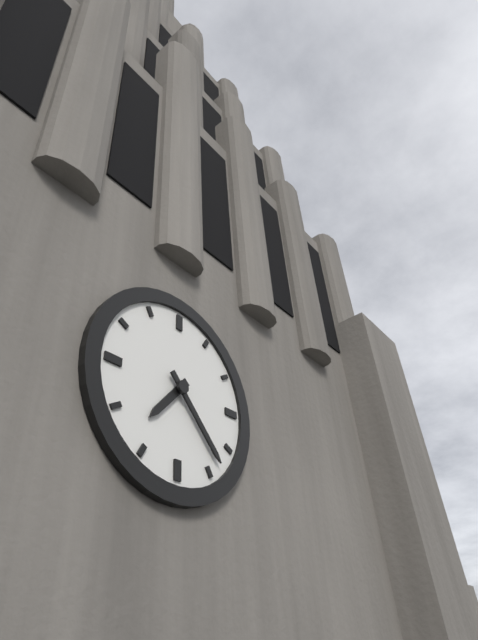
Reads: 7.23
